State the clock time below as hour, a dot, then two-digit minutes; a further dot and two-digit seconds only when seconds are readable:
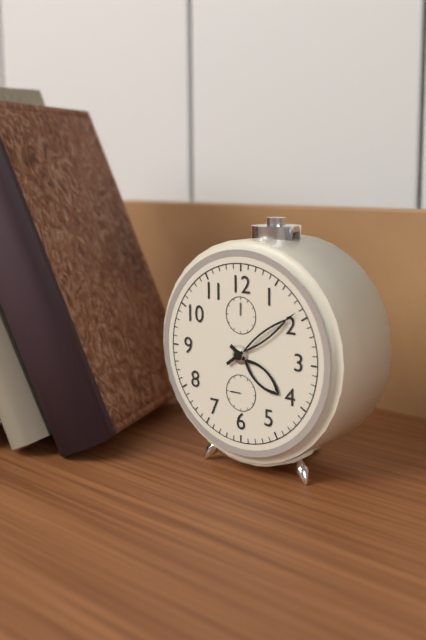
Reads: 4.09
